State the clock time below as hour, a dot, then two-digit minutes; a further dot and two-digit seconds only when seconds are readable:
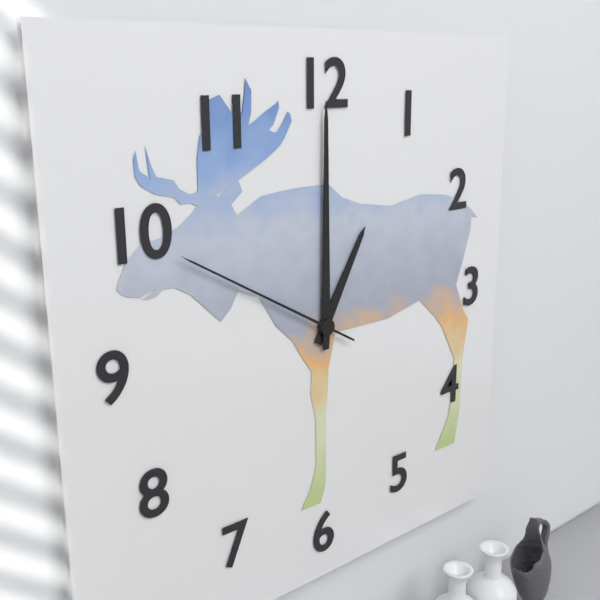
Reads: 1.00.50
